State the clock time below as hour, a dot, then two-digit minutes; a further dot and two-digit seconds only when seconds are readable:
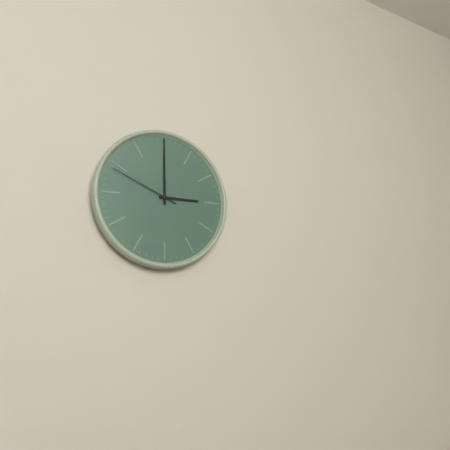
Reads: 3.00.49
